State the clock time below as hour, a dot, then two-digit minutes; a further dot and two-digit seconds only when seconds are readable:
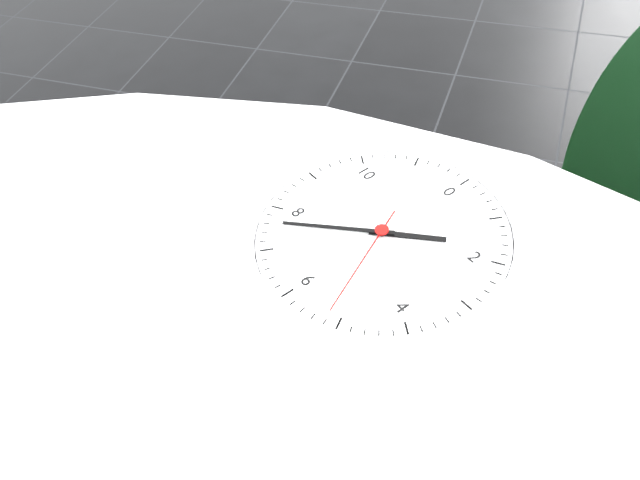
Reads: 1.38.26
